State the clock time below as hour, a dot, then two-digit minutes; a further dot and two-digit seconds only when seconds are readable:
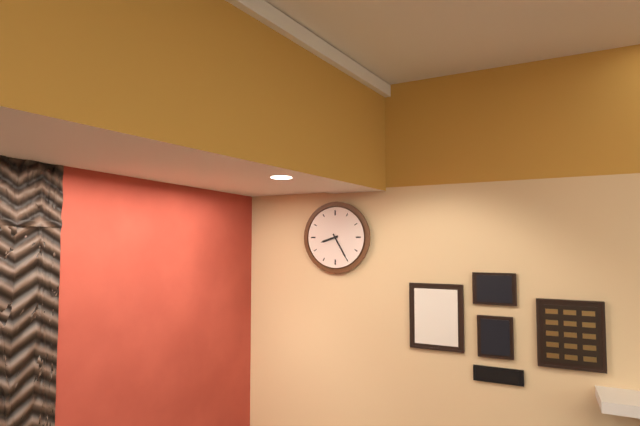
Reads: 8.25
